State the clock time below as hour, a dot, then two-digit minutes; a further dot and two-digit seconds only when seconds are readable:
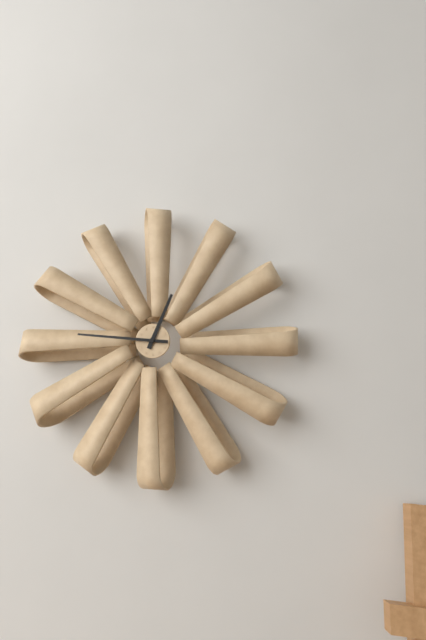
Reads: 12.46
